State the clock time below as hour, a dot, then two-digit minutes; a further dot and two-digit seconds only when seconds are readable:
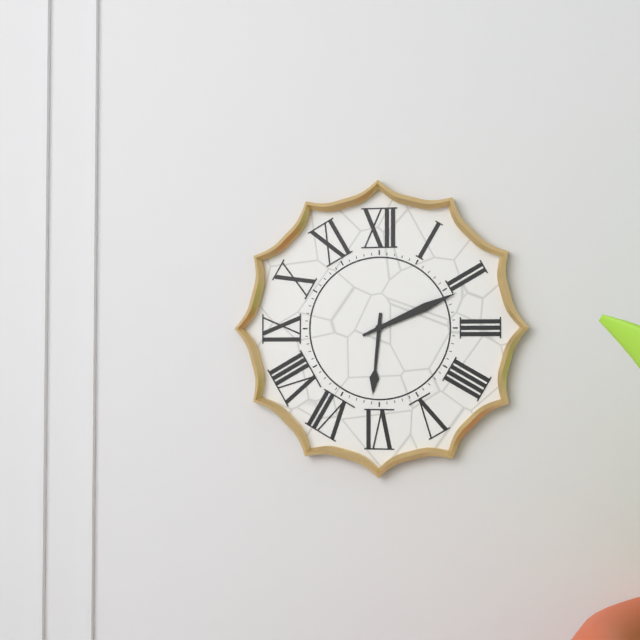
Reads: 6.11
